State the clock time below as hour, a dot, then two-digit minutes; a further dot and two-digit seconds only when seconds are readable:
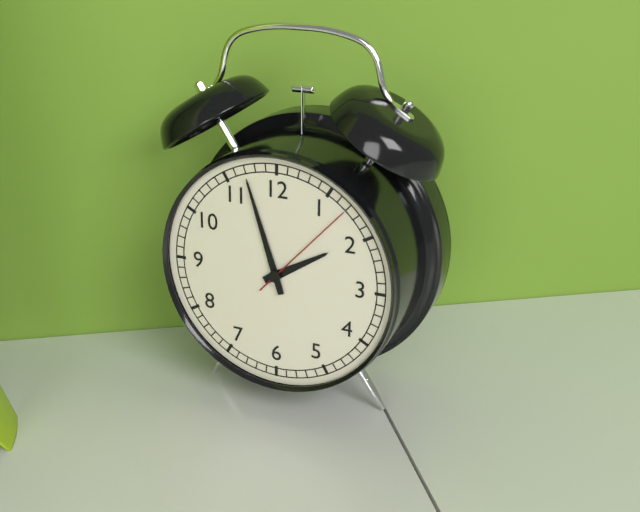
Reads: 1.57.07
